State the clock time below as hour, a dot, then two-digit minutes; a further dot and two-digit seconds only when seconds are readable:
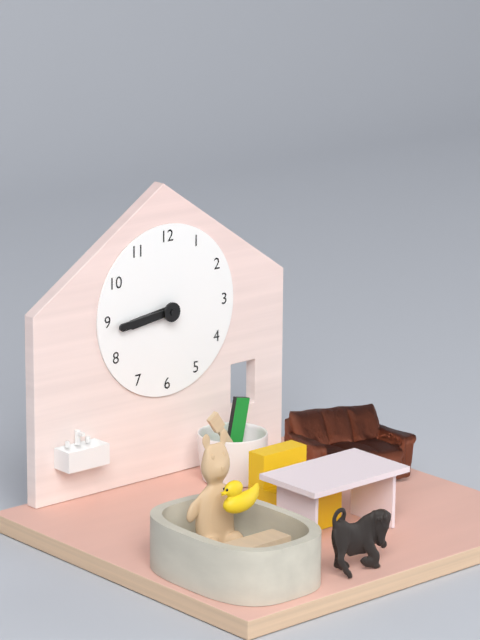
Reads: 8.44
